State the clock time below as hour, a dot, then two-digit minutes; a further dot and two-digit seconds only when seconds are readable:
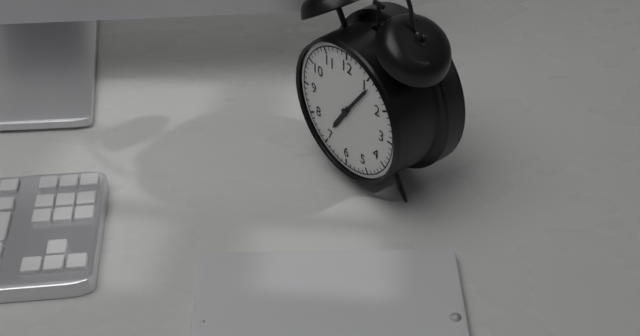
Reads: 7.06
